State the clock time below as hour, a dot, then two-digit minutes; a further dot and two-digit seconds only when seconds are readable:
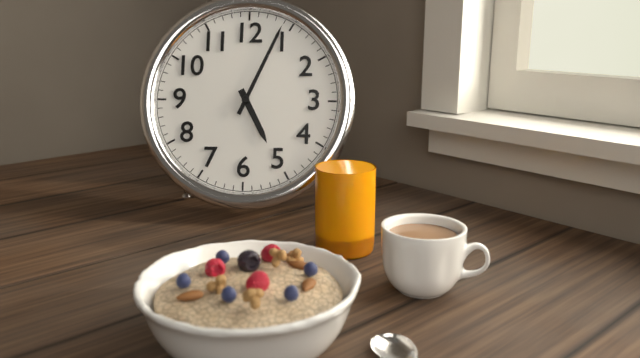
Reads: 5.04
